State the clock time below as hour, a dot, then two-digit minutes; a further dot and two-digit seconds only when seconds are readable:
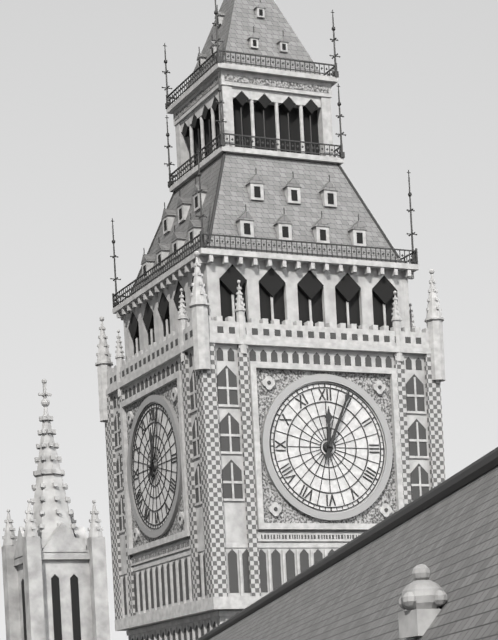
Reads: 12.04
